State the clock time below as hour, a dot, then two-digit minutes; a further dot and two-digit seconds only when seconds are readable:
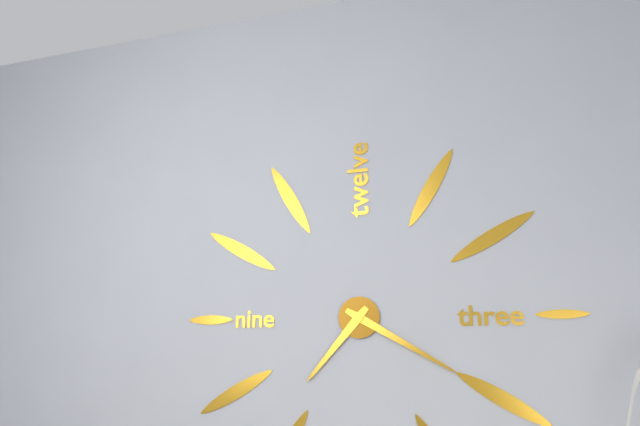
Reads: 7.20
